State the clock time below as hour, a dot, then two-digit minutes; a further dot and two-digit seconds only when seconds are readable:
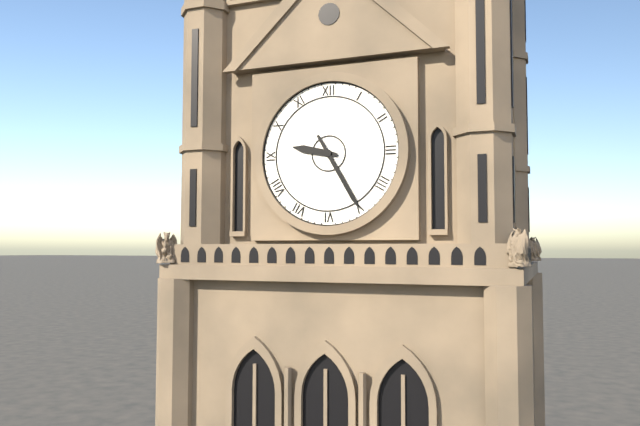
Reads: 9.25
